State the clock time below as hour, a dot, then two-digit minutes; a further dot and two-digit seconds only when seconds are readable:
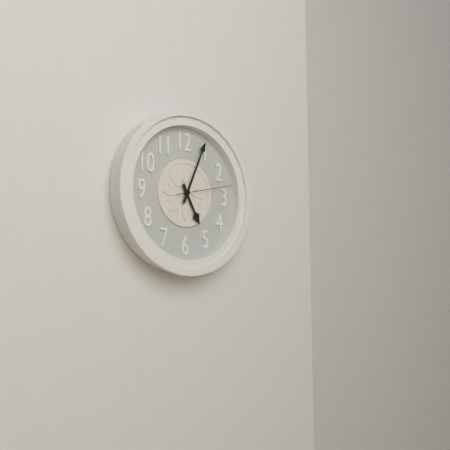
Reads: 5.04.13
